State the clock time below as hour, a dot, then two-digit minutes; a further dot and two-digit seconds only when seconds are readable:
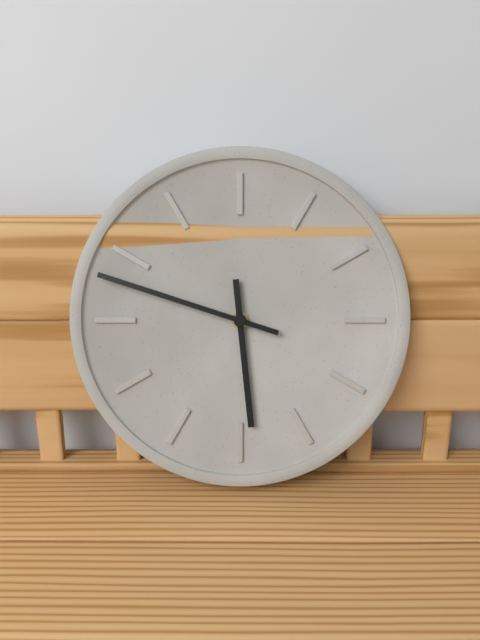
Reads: 5.48
